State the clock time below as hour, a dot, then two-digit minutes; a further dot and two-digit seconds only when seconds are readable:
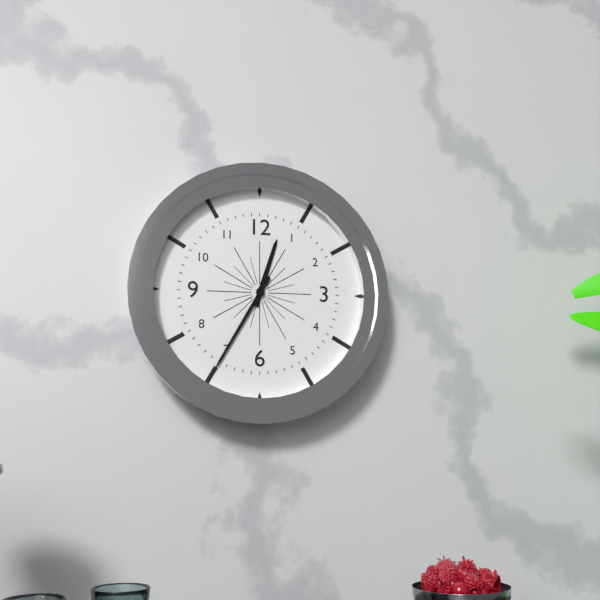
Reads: 12.35
